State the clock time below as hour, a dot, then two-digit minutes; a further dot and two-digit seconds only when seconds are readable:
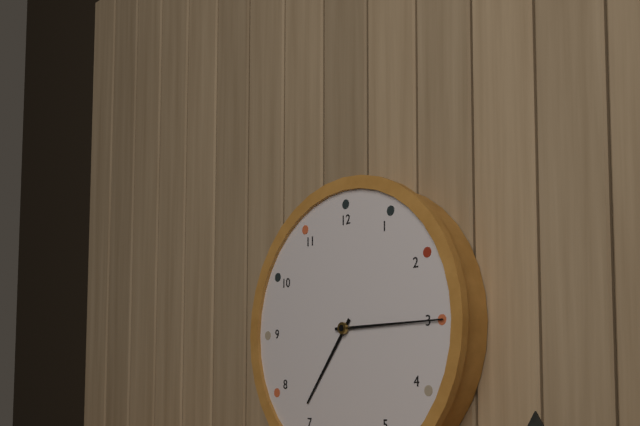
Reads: 7.15
